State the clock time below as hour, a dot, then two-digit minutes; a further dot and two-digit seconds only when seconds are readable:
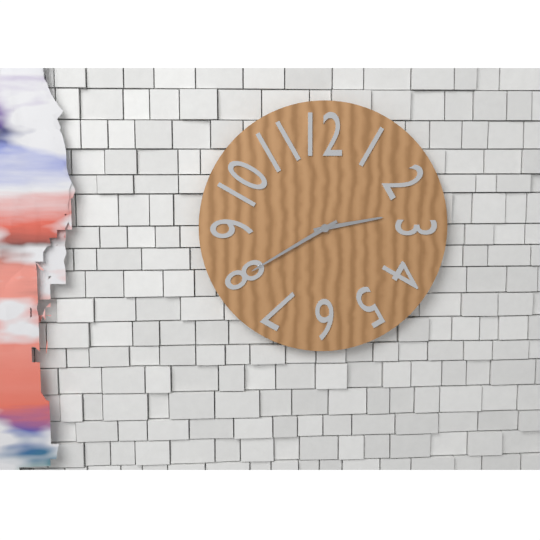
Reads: 2.40
